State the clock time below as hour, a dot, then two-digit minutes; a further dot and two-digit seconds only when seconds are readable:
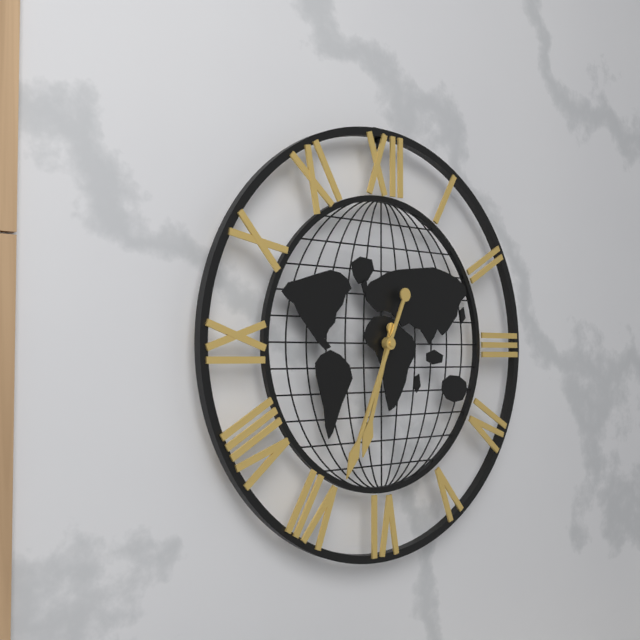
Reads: 6.34
